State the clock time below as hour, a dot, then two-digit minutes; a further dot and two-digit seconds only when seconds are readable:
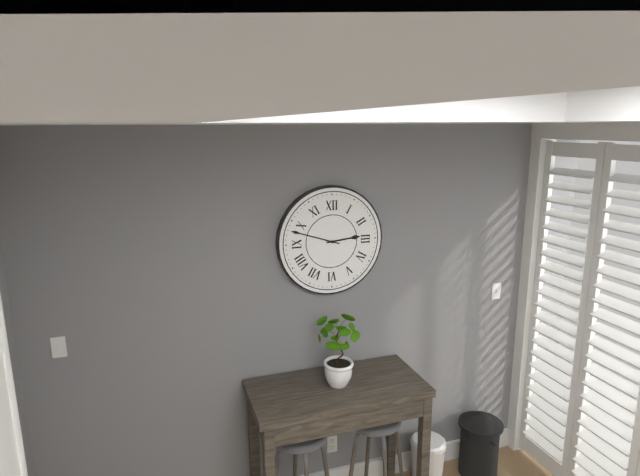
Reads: 2.48
